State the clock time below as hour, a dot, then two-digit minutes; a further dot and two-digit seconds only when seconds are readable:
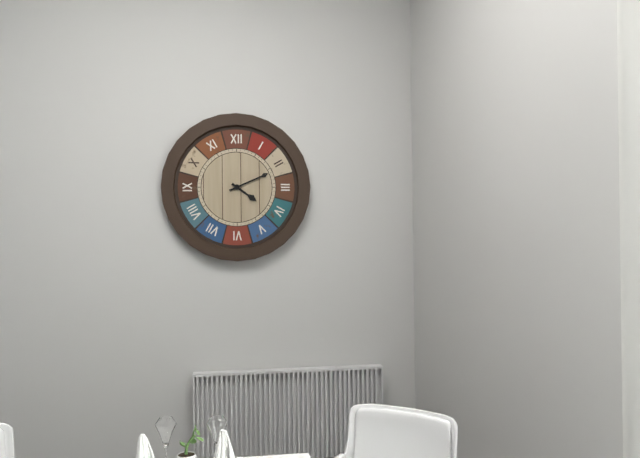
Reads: 4.11
